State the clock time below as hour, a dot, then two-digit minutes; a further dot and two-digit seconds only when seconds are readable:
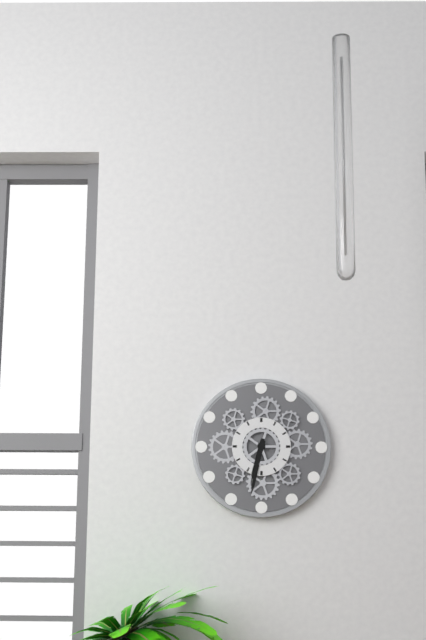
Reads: 6.32
